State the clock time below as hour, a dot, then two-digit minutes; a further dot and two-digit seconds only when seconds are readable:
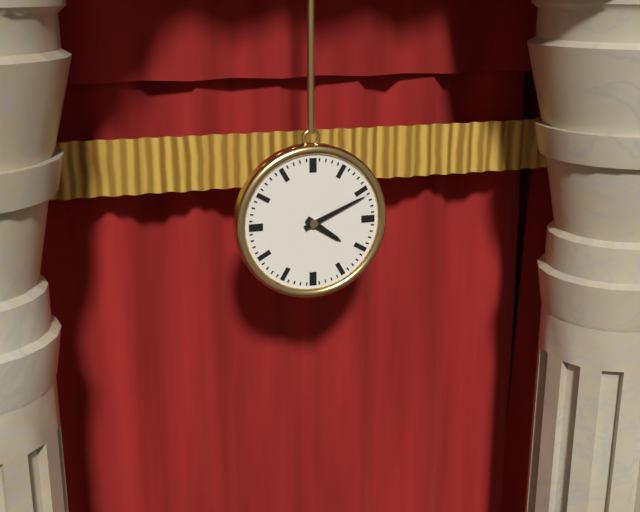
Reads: 4.11
